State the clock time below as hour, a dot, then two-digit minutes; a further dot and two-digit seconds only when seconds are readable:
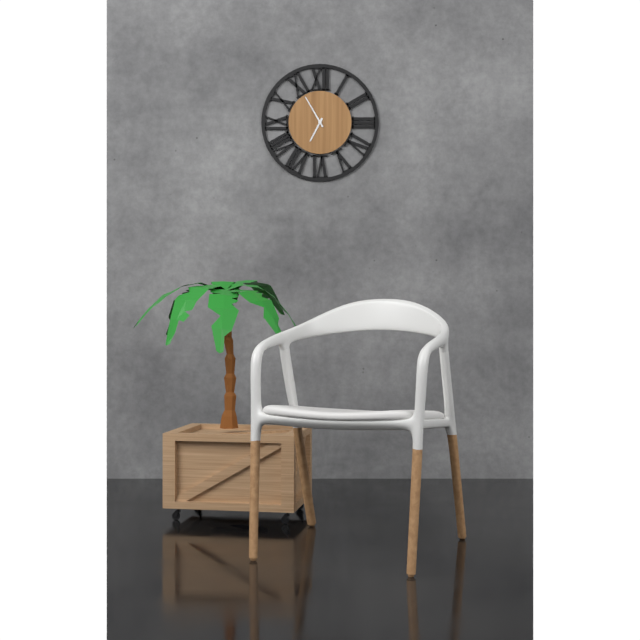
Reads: 6.55
